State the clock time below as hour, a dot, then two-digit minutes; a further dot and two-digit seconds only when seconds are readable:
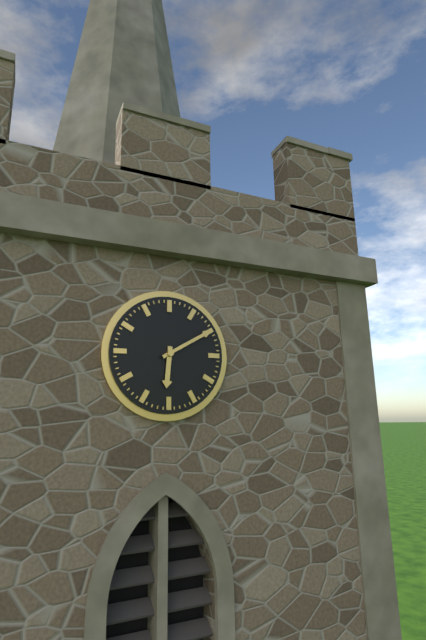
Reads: 6.10
